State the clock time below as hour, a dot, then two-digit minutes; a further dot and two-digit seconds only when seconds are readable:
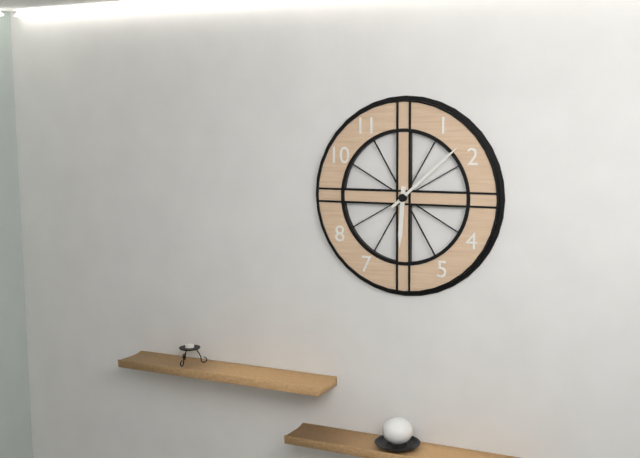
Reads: 6.08
